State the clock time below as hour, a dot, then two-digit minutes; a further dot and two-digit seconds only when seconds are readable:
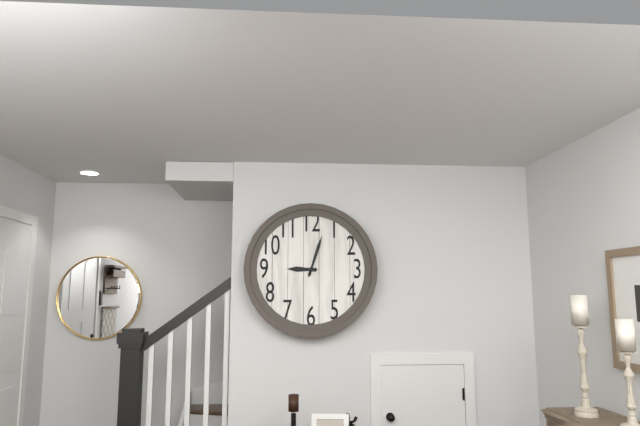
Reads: 9.03
